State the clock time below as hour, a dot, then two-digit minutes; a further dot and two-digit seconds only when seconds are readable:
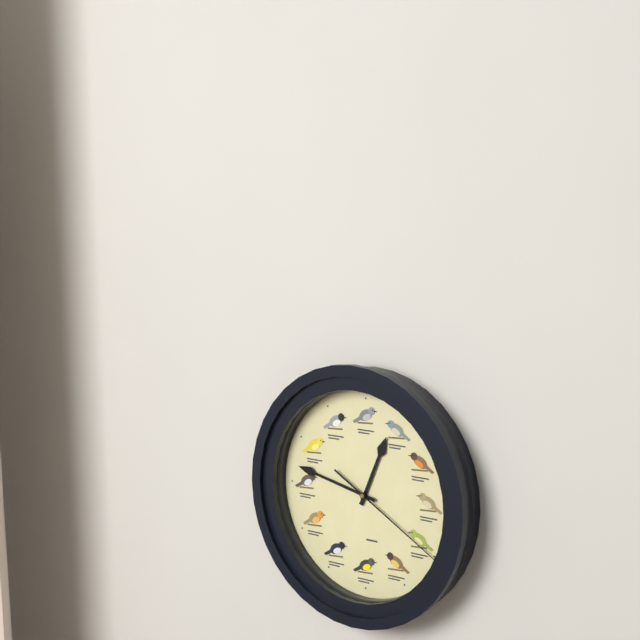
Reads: 12.47.20
